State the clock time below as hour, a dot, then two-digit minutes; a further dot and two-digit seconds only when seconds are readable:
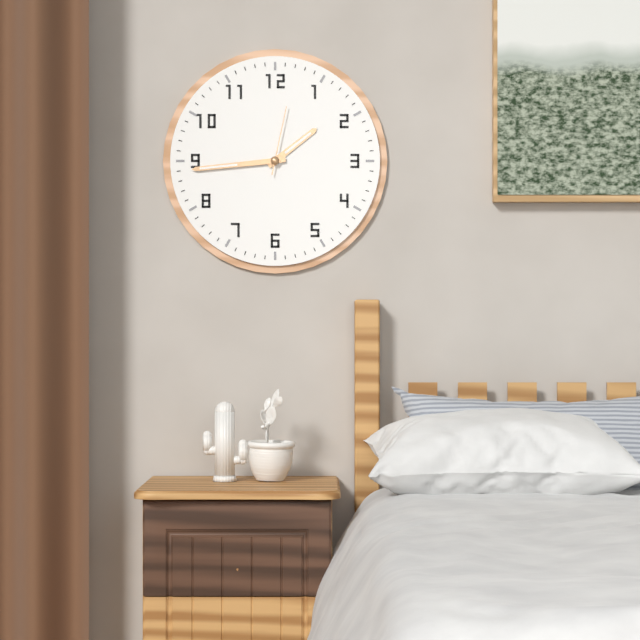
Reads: 1.44.02
